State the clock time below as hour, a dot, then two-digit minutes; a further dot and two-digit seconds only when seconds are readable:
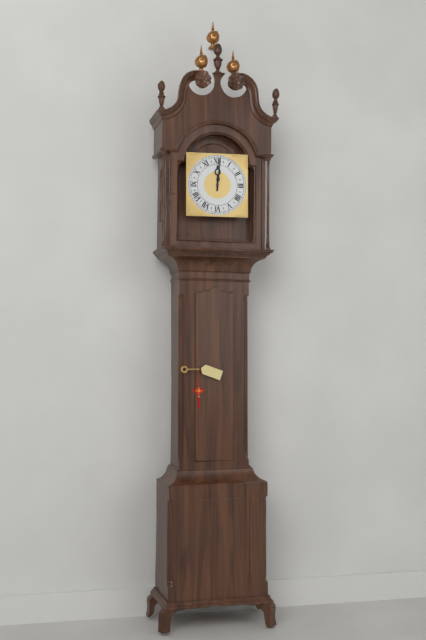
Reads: 12.01
